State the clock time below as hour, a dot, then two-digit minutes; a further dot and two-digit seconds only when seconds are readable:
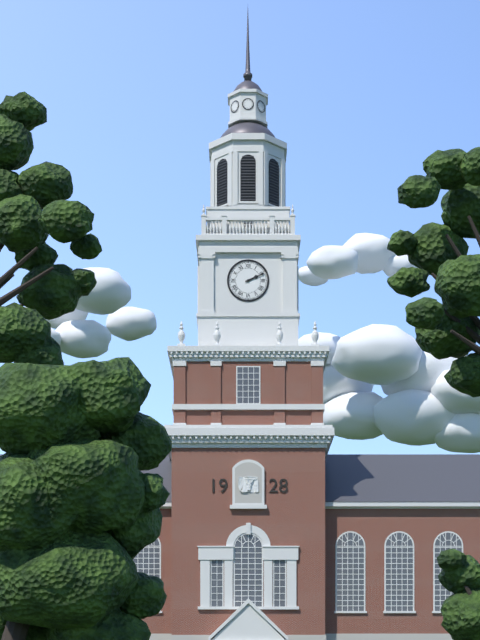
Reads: 2.11
